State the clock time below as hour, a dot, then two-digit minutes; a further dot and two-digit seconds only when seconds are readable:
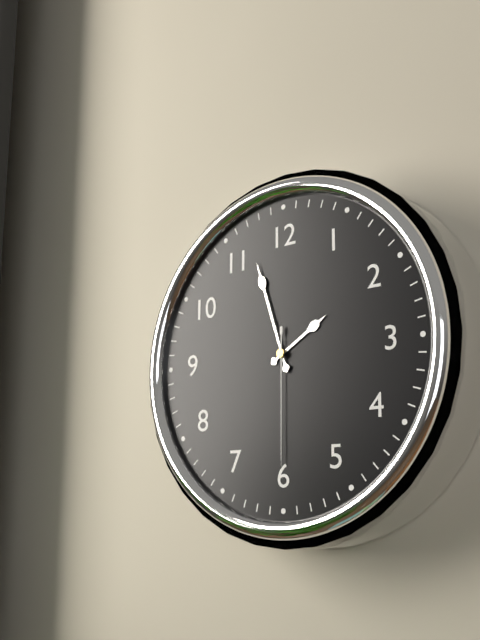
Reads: 1.57.30
